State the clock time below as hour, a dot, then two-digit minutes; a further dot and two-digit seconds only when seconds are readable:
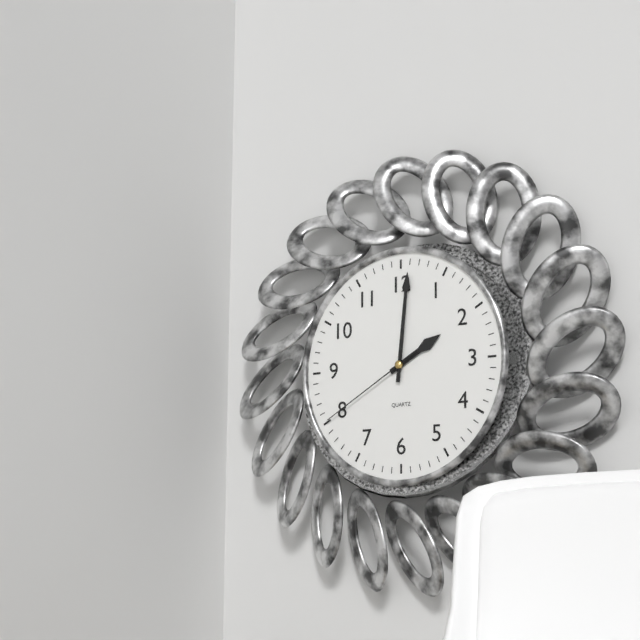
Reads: 2.01.40
